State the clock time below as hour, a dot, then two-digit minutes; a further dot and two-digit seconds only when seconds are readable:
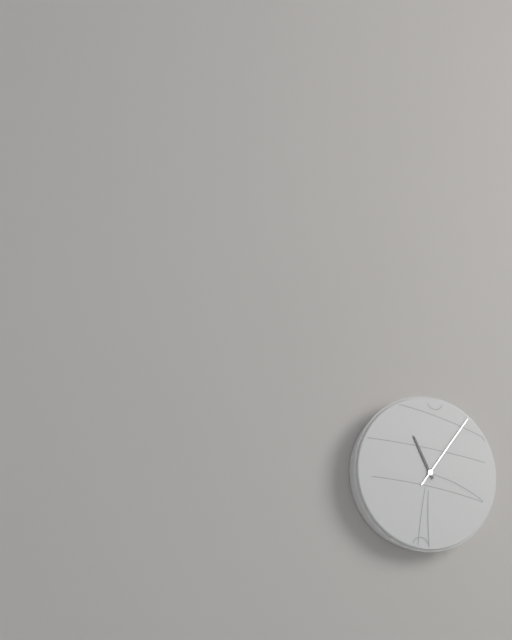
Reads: 11.06
